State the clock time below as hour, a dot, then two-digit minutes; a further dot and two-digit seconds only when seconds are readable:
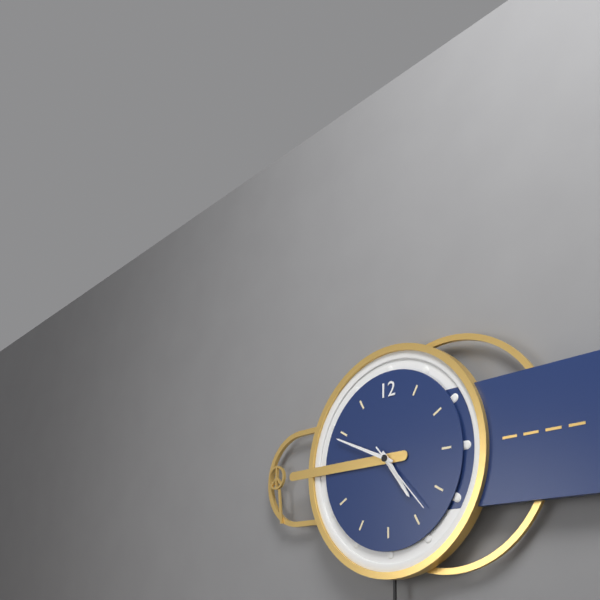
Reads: 4.49.23
